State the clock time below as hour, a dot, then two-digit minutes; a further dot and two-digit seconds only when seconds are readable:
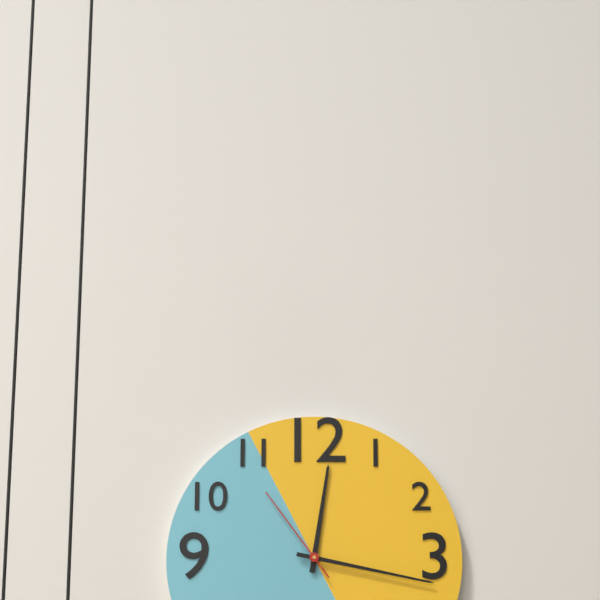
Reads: 12.17.54
